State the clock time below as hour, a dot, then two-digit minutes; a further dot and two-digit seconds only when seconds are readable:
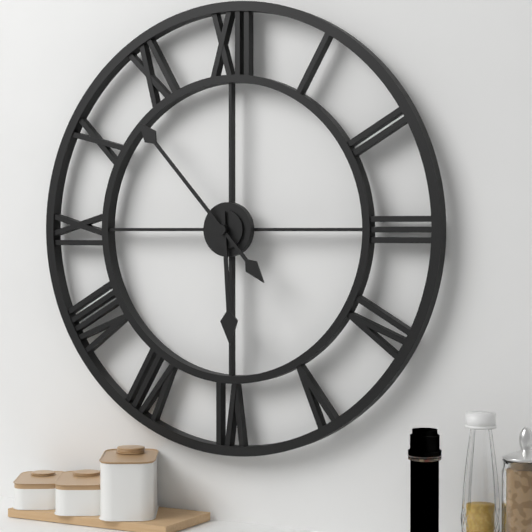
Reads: 5.53
